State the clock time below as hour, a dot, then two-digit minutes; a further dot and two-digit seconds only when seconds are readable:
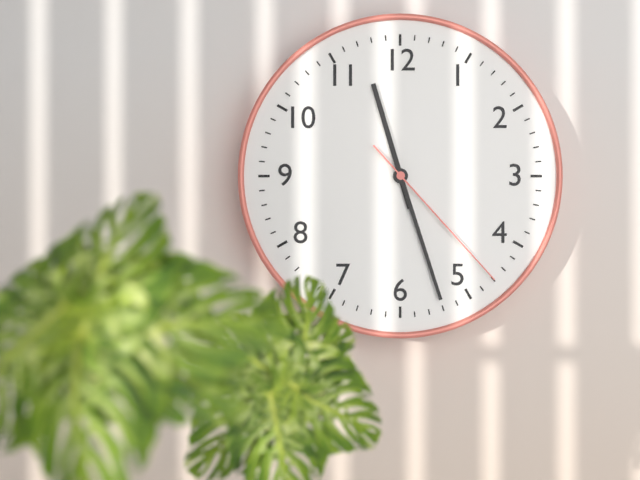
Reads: 11.27.23
